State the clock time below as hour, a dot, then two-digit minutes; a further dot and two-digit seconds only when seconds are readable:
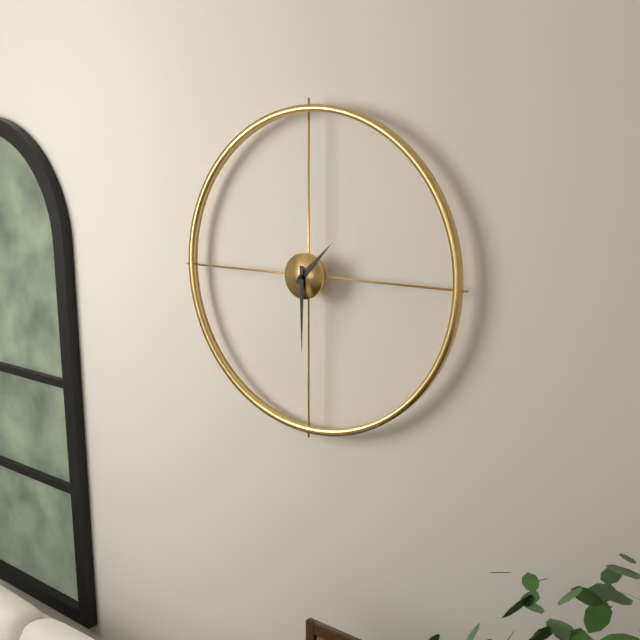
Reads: 1.30
